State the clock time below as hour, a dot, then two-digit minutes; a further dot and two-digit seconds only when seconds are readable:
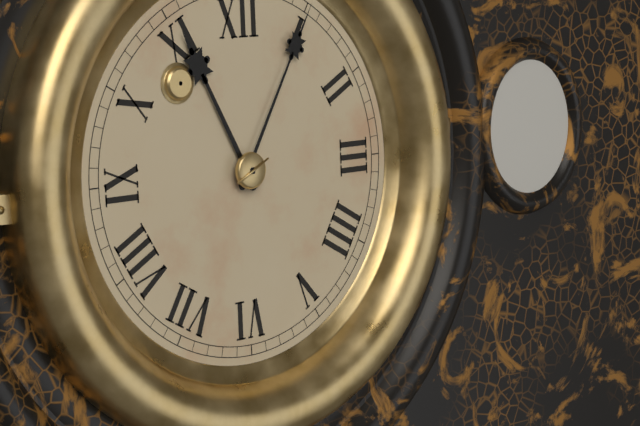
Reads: 11.05
